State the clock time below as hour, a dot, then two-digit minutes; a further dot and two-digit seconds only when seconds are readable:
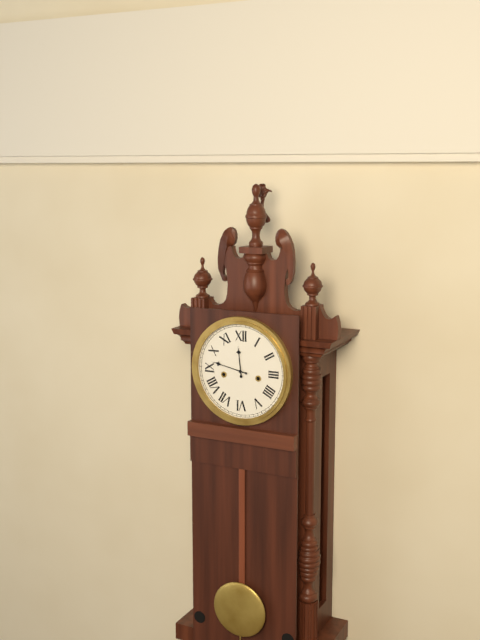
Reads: 11.47
